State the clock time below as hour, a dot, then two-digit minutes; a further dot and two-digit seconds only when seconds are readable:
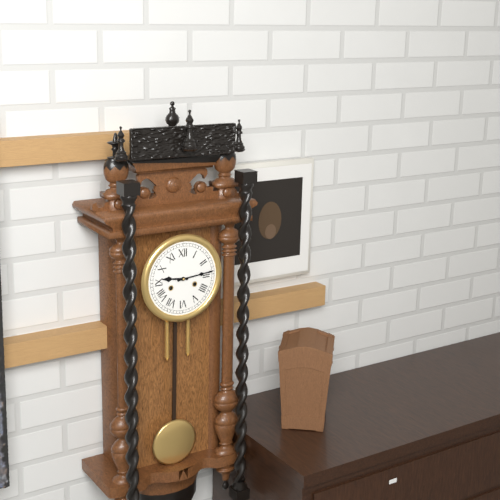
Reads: 9.14
